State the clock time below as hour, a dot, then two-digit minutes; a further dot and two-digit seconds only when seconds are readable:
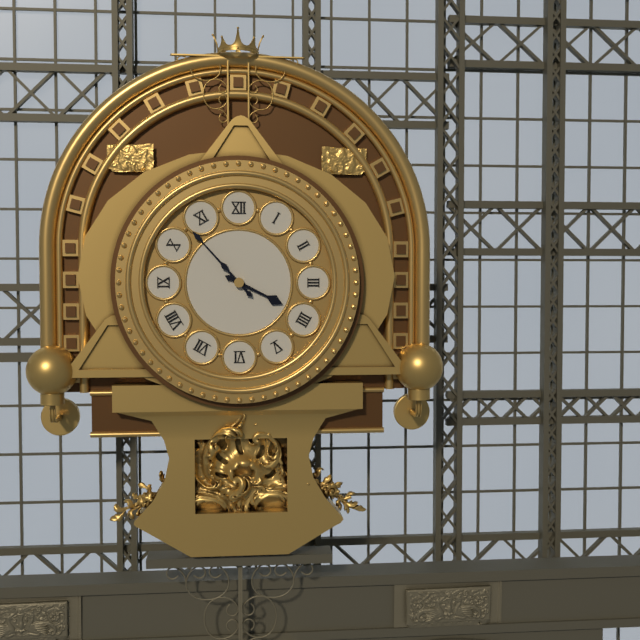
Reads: 3.53
